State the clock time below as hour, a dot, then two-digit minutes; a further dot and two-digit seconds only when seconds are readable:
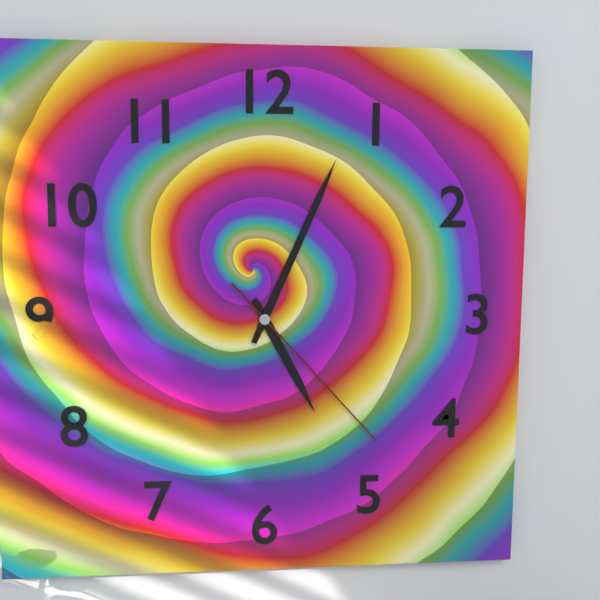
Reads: 5.04.23
